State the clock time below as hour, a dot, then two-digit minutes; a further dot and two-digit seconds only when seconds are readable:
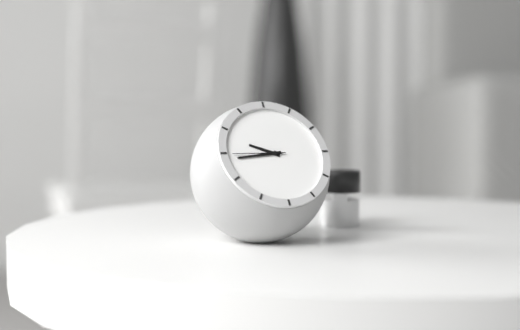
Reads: 9.44
